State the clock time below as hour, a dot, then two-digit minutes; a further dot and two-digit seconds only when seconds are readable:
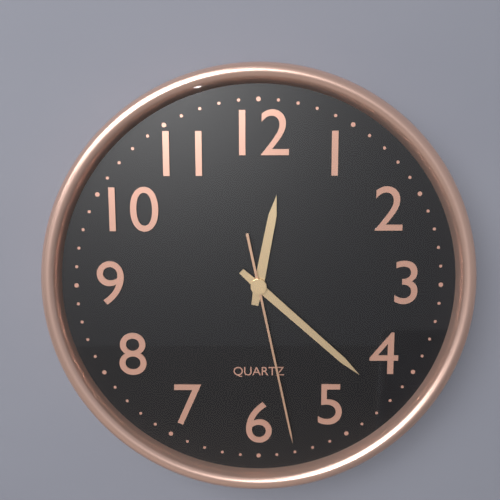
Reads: 12.22.28
